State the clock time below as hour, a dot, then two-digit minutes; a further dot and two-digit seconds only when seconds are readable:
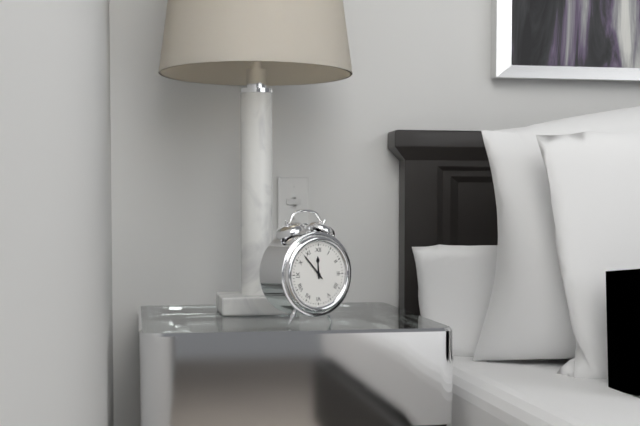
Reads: 11.53
